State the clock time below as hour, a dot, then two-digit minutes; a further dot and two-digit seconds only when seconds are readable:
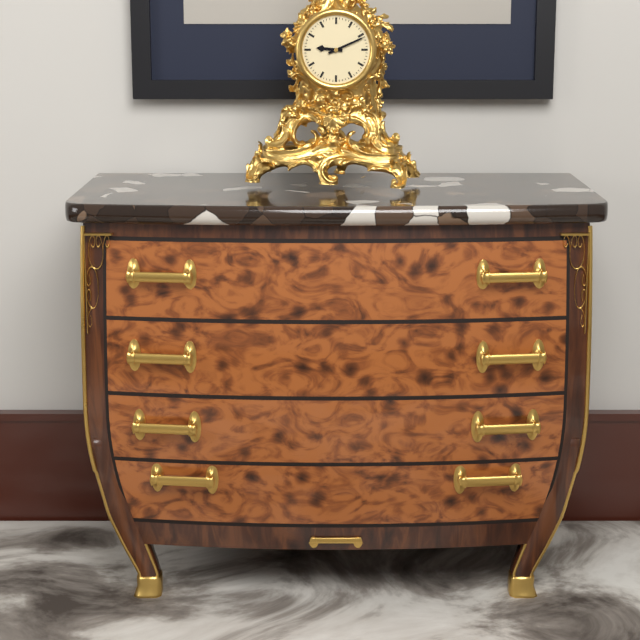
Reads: 9.11
